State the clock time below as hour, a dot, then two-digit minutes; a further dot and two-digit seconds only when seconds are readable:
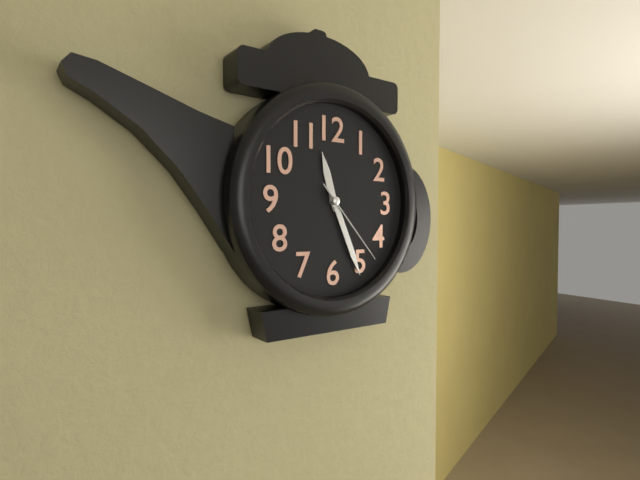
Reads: 11.26.23
